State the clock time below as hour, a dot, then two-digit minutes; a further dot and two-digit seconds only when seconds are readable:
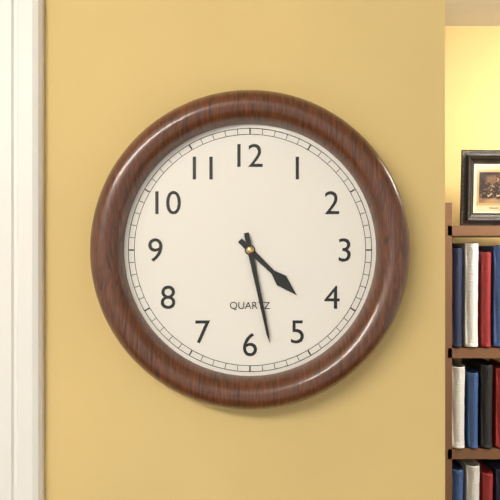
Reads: 4.28
